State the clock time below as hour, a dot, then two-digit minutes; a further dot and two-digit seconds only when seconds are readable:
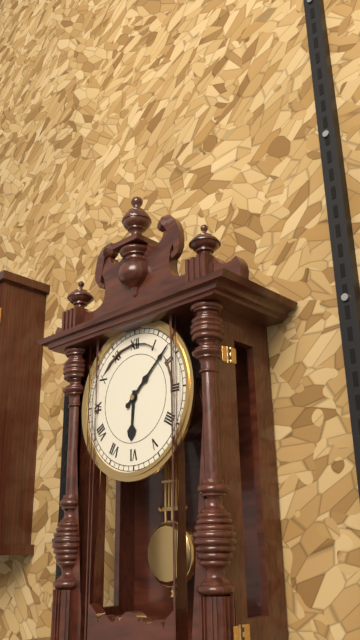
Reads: 6.08
